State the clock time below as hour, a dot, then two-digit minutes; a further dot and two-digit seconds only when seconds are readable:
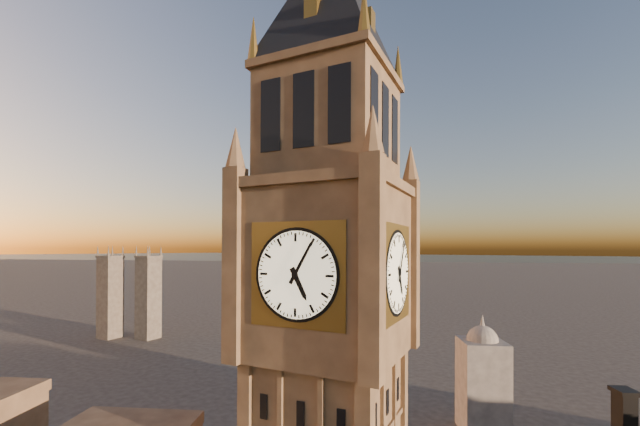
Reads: 5.05
